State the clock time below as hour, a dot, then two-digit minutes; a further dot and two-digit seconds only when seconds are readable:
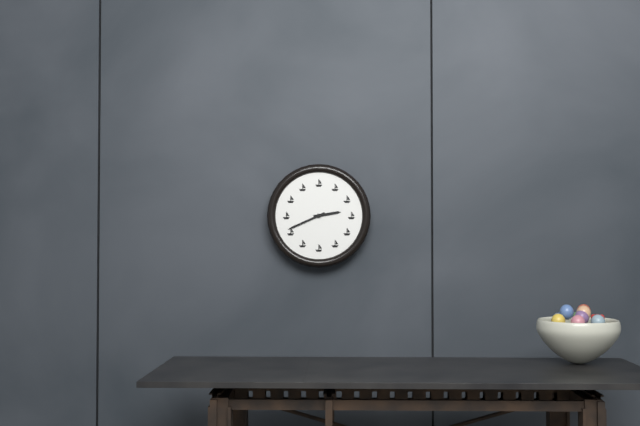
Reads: 2.41
